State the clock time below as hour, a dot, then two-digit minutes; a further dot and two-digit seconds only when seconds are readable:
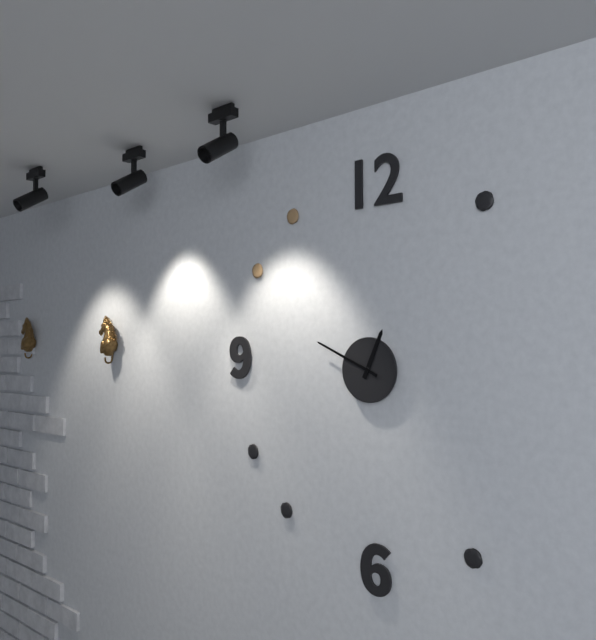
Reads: 12.49
